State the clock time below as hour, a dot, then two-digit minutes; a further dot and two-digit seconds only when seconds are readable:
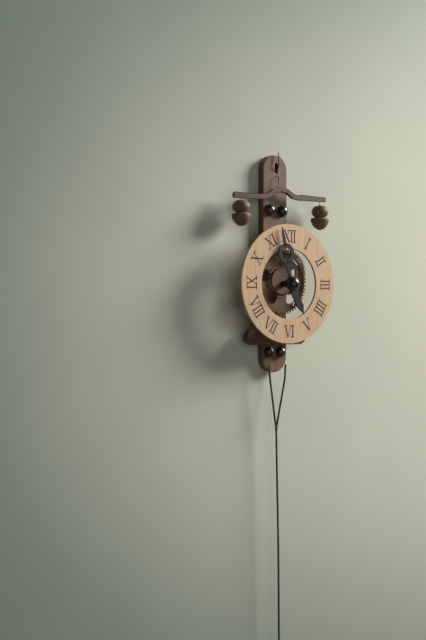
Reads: 4.58
